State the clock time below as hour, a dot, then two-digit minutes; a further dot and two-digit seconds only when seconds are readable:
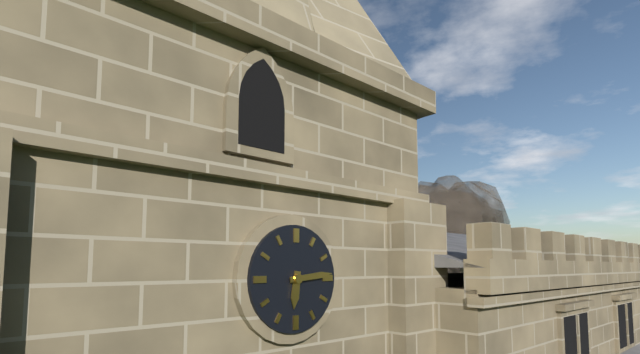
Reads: 6.14
